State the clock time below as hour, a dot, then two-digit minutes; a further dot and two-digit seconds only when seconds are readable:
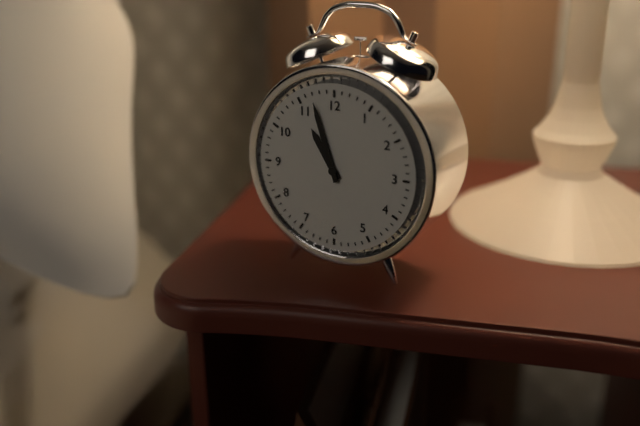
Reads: 10.57
